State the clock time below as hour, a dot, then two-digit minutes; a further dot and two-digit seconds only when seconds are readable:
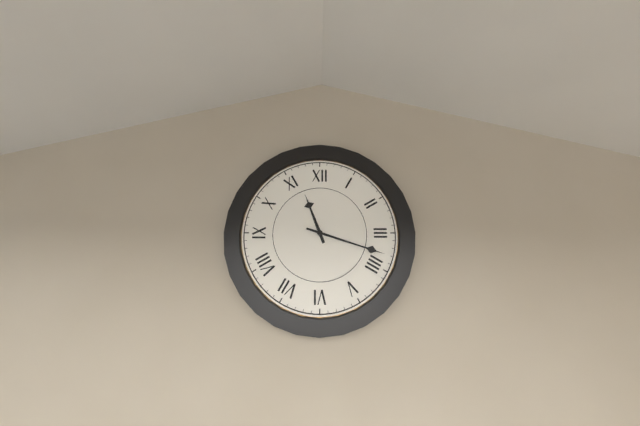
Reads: 11.18
